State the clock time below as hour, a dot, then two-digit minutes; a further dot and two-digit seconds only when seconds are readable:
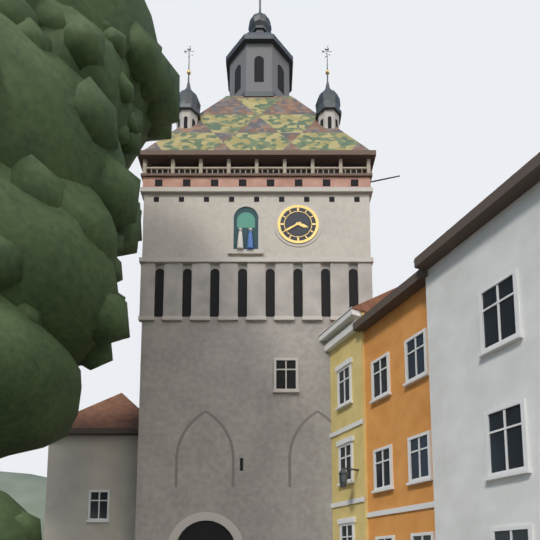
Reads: 3.40
